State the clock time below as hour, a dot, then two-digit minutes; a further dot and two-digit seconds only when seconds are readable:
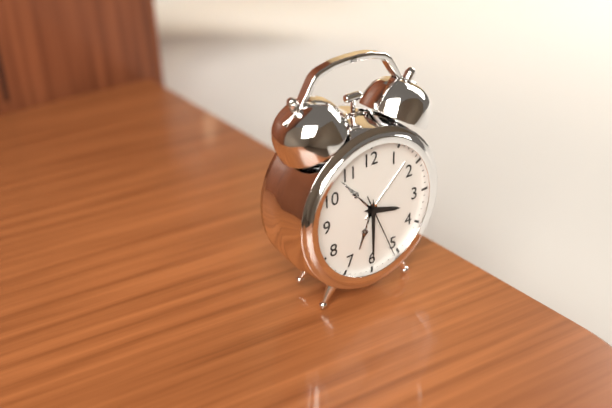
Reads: 3.30.26
